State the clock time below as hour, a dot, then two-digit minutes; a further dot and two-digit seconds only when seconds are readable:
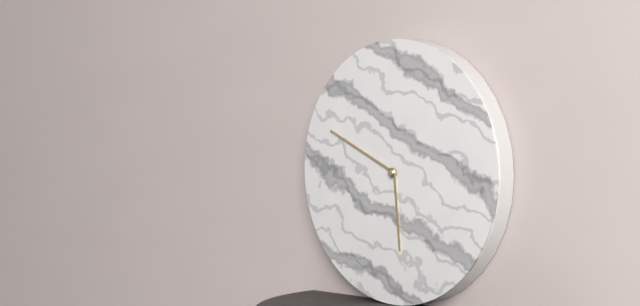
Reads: 5.49
